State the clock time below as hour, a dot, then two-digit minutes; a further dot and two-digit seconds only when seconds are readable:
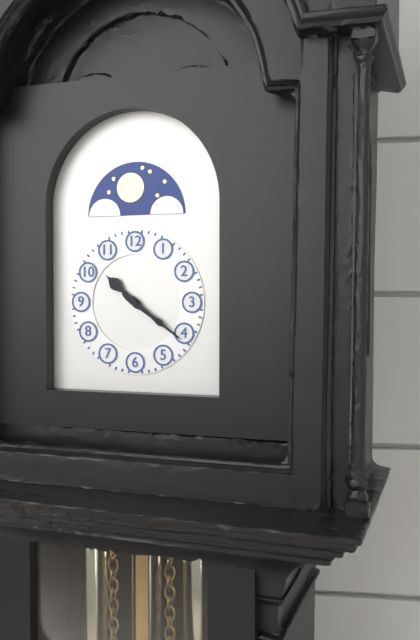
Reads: 10.21
